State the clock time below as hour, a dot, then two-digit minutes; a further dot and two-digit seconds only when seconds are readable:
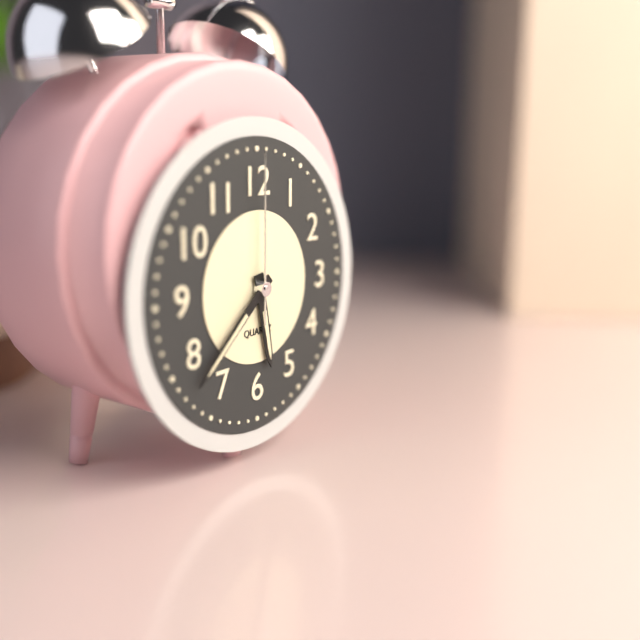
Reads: 5.38.00
